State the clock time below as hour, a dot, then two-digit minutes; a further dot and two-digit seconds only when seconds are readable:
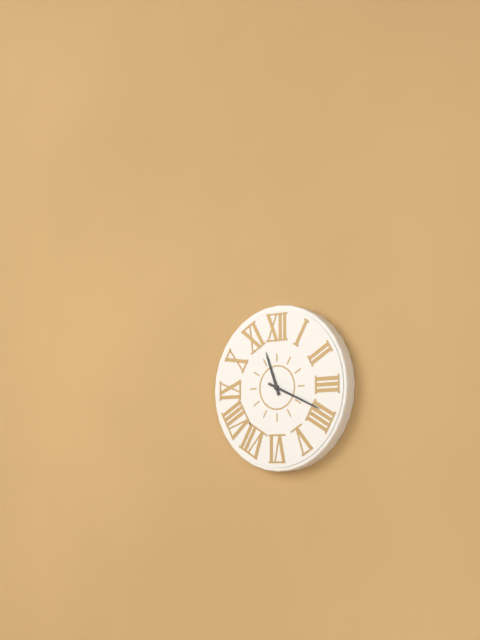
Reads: 11.19
